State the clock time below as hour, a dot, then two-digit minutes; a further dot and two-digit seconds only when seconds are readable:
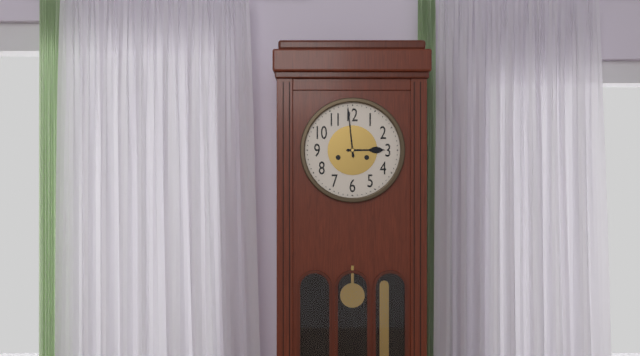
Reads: 2.59
